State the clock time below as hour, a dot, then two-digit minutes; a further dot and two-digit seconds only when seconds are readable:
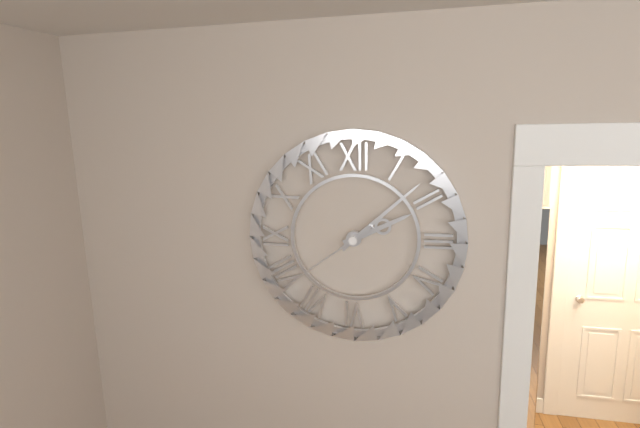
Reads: 2.08.39
